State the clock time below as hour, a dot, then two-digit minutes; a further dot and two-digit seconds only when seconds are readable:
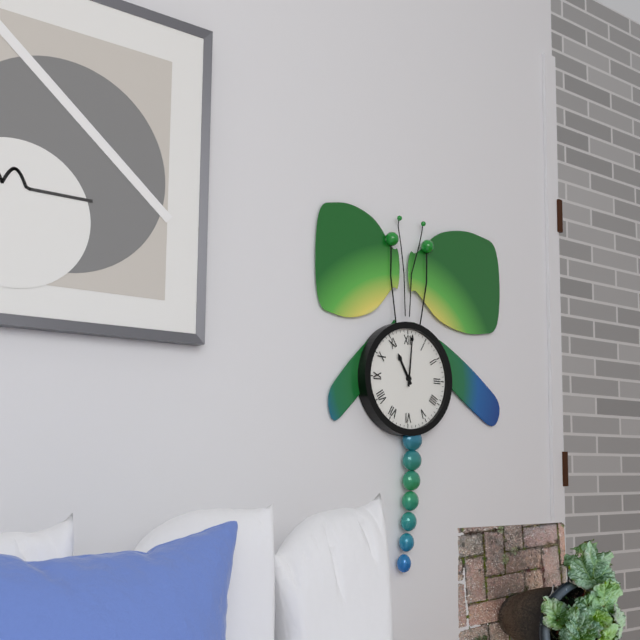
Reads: 11.01
